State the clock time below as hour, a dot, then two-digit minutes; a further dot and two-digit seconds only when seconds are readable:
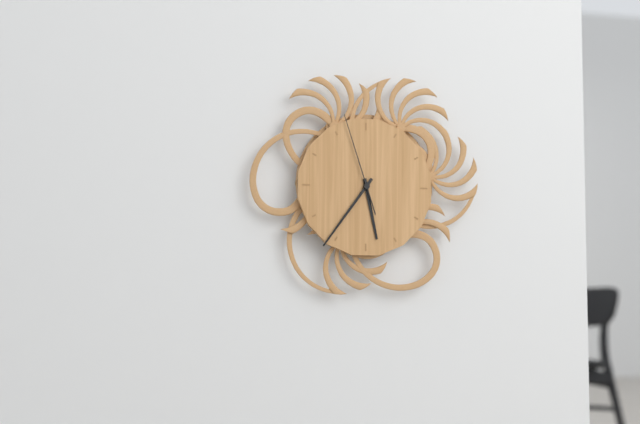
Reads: 5.36.57
